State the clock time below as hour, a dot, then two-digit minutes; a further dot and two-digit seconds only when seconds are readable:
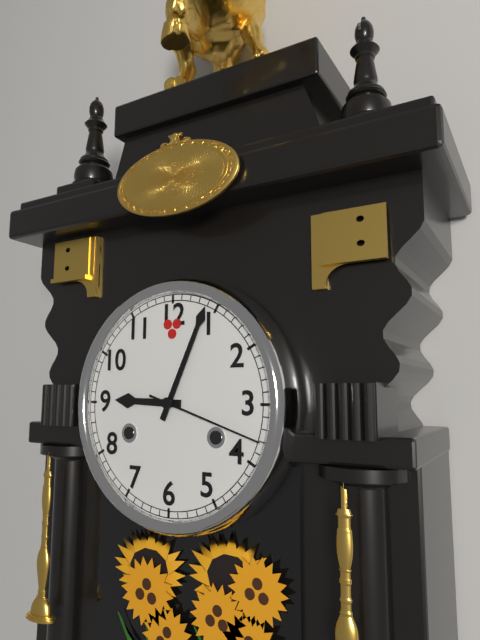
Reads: 9.04.18
